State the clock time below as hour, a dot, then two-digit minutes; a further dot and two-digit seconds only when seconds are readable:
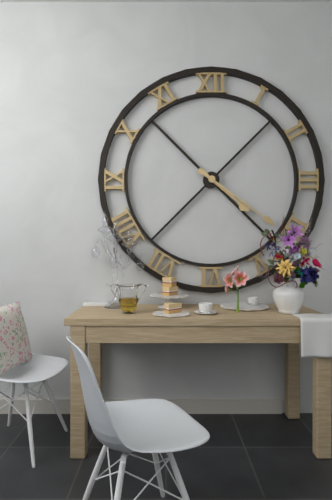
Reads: 4.21
